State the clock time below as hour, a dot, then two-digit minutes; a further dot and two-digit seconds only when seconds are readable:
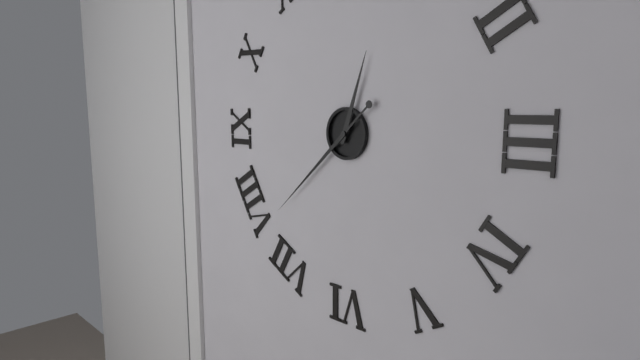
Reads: 12.38
